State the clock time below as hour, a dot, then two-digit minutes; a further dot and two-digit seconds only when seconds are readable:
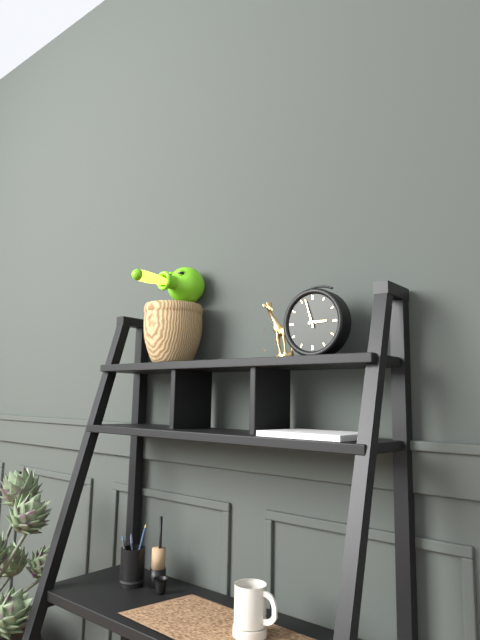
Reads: 2.57
